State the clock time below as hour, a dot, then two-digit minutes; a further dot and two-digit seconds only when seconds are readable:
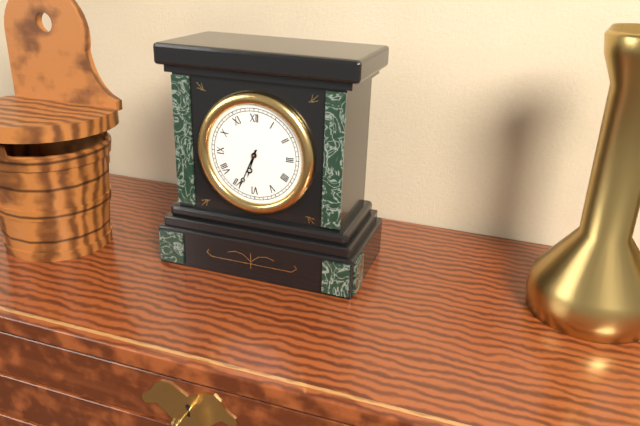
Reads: 6.34
